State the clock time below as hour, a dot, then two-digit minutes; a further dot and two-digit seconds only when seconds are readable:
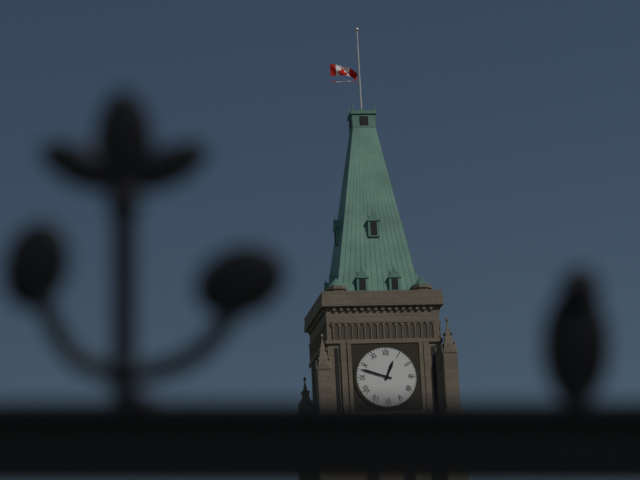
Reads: 12.48
